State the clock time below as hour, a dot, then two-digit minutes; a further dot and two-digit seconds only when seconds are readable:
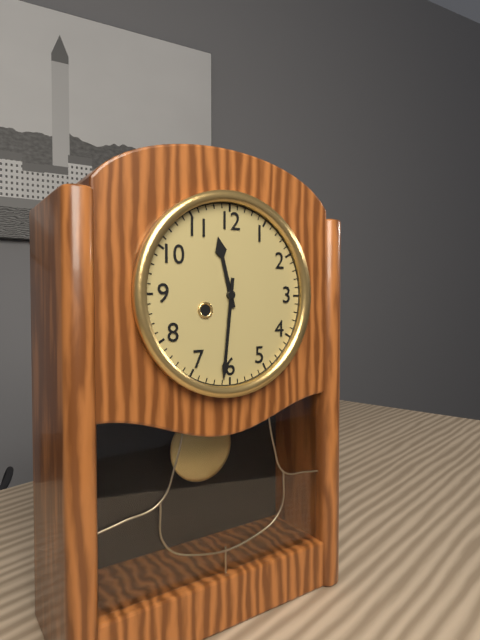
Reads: 11.31
